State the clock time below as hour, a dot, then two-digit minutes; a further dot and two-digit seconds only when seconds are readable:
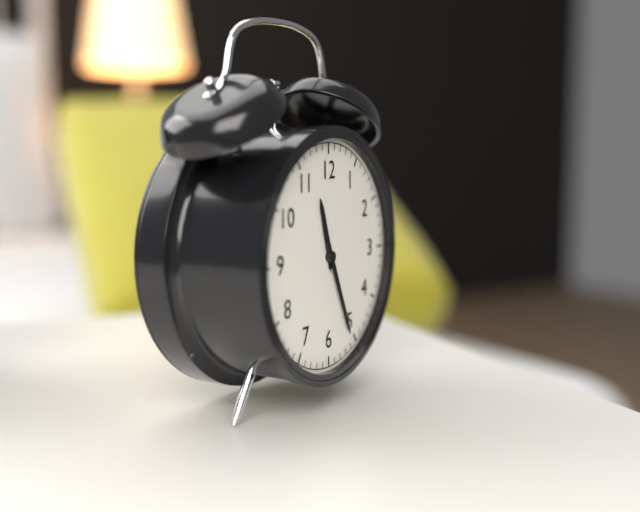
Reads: 11.26
